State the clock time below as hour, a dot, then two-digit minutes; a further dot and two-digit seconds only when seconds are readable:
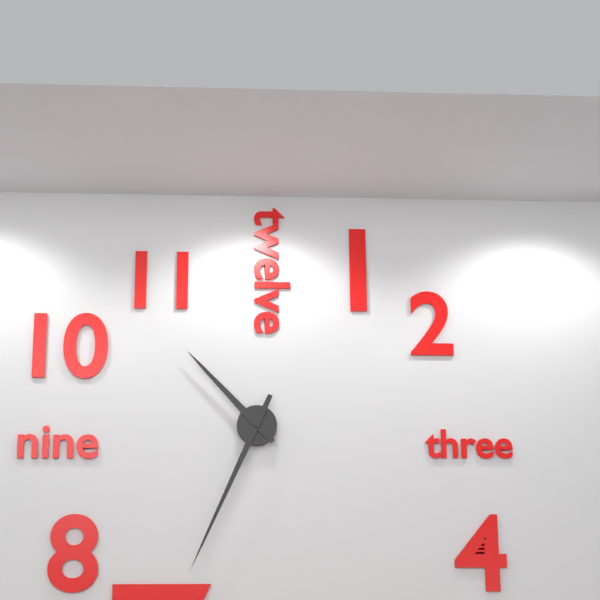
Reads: 10.34
